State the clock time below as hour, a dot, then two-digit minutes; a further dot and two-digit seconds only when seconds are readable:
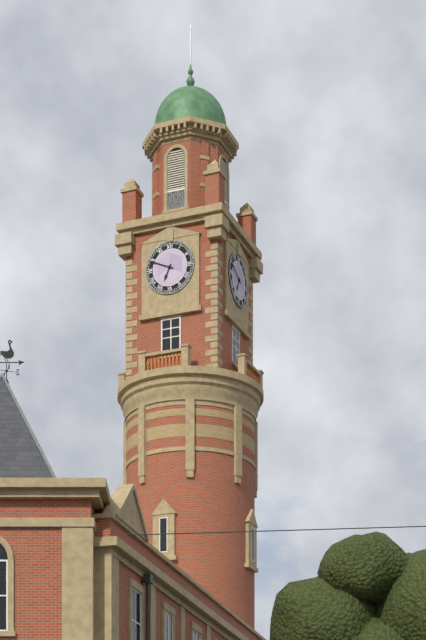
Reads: 6.49
